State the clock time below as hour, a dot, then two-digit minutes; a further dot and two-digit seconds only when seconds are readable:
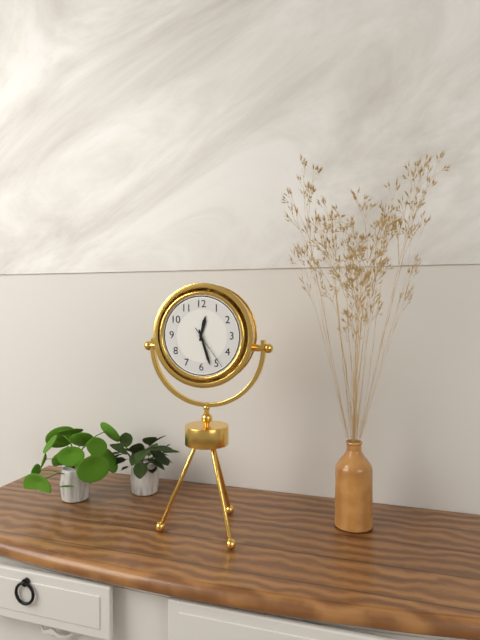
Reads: 12.27
